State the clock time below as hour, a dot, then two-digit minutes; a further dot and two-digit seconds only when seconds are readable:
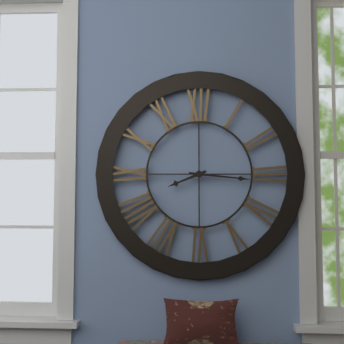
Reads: 8.16
